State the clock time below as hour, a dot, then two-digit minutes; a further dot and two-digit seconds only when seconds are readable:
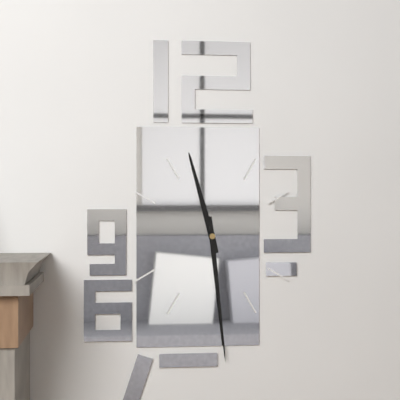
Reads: 11.29
